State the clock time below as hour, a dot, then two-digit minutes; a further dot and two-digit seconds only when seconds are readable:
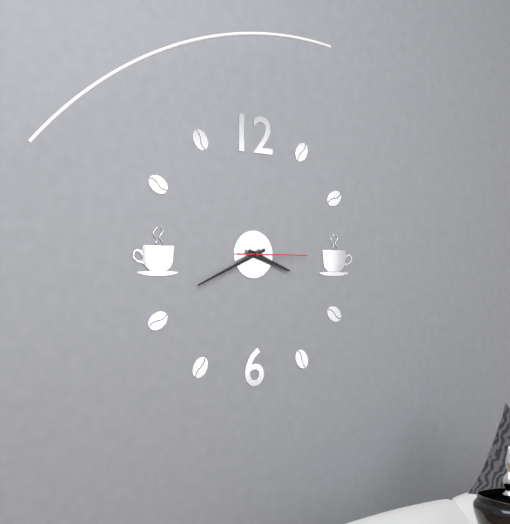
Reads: 3.41.15
